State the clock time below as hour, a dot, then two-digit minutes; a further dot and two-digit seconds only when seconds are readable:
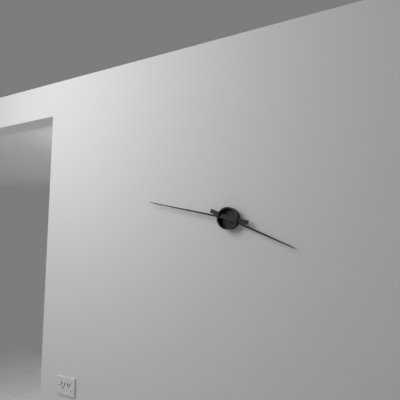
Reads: 3.47
